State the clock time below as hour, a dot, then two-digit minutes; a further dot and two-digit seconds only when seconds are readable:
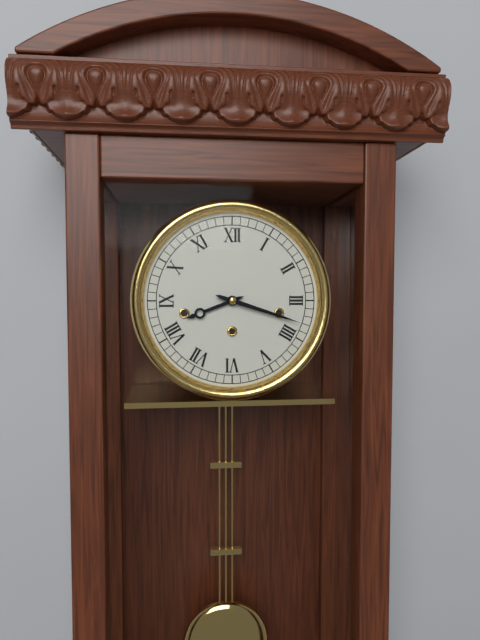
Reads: 8.18
